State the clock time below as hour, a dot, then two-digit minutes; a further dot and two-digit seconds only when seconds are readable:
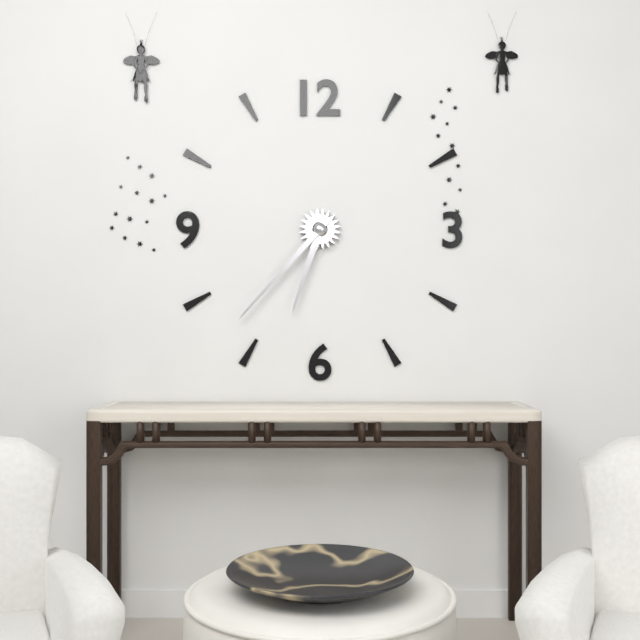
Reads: 6.37
